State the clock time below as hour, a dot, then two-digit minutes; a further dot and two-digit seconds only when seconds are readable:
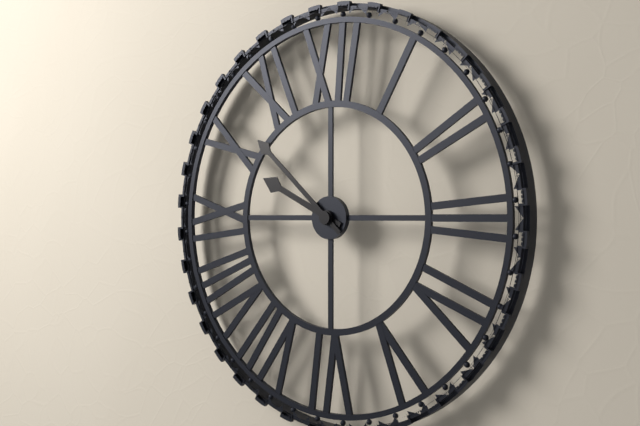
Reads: 9.52
